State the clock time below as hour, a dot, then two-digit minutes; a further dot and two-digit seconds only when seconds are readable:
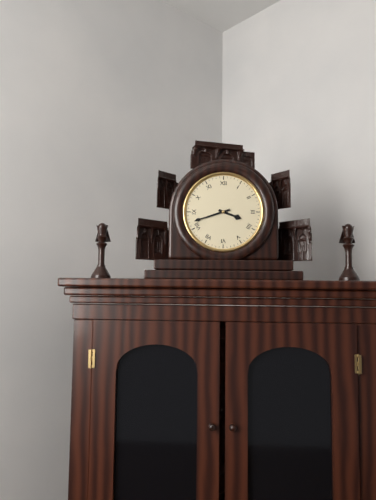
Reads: 3.42
